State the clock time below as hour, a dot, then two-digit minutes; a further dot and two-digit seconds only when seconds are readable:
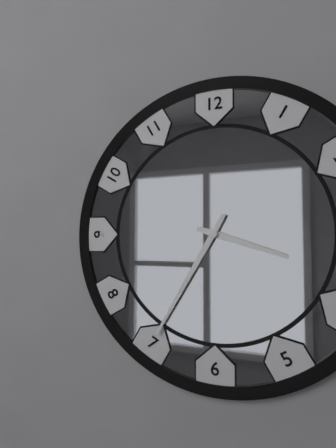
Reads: 3.35
